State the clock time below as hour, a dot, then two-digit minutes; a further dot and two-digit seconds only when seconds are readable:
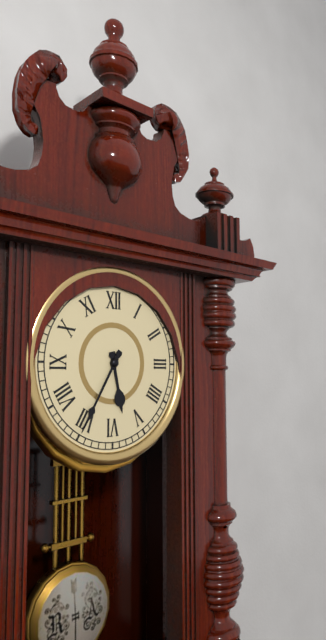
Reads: 5.35
